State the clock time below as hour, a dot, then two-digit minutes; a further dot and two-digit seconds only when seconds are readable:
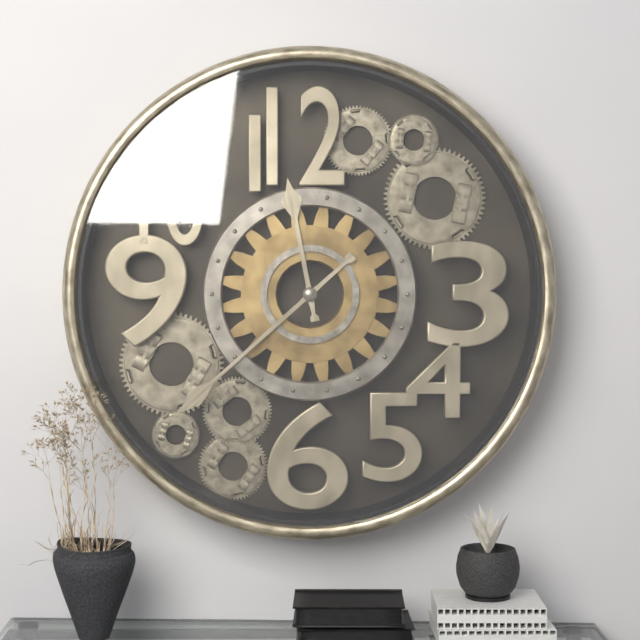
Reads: 11.38
